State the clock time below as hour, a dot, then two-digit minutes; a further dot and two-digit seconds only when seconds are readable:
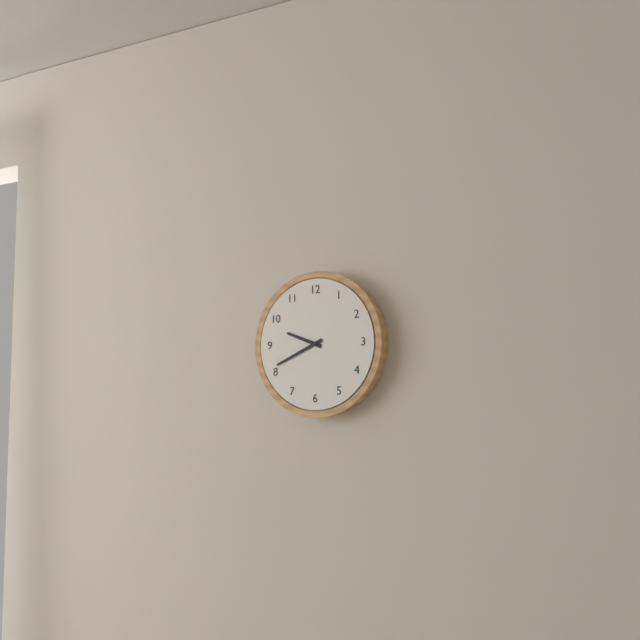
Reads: 9.41
